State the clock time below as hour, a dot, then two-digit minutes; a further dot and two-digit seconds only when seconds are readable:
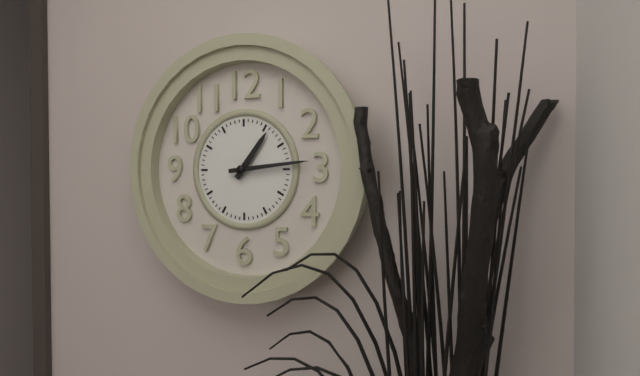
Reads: 1.14
